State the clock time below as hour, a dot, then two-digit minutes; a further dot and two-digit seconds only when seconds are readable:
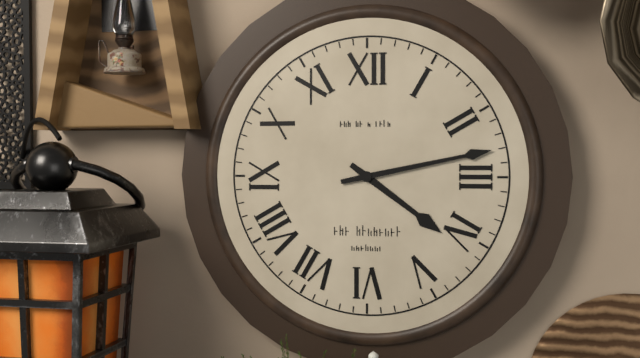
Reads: 4.13
